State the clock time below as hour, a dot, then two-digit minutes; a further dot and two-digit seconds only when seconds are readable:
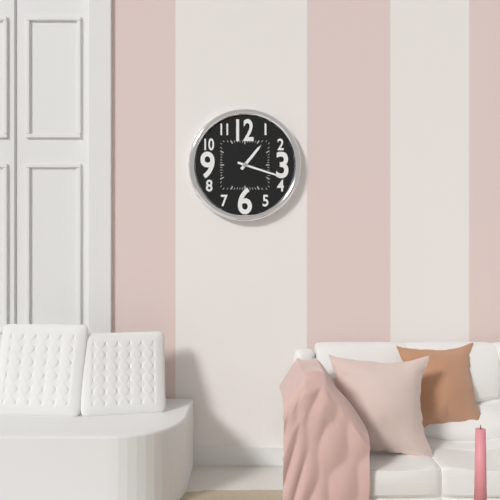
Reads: 1.18
